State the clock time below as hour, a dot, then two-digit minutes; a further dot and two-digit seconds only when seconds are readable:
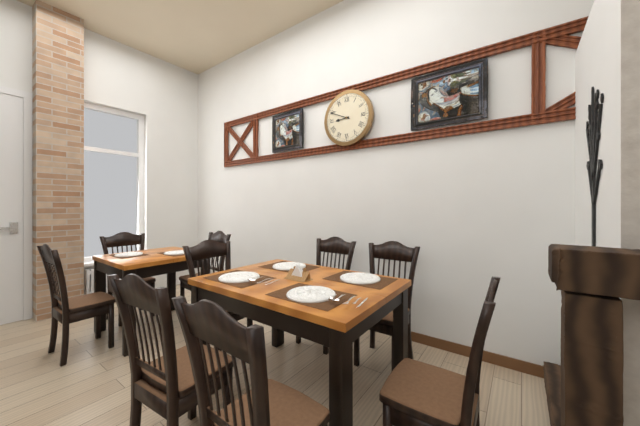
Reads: 8.49
